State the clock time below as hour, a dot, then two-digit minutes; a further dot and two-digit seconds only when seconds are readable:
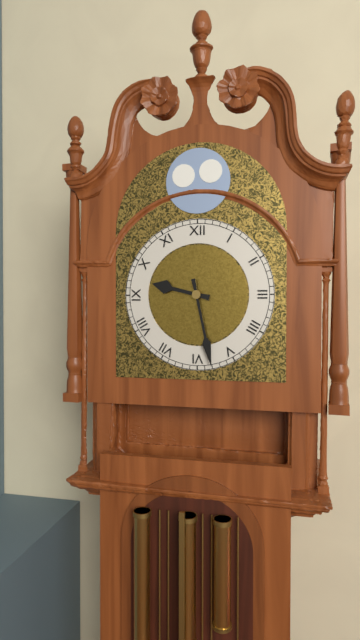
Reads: 9.28
